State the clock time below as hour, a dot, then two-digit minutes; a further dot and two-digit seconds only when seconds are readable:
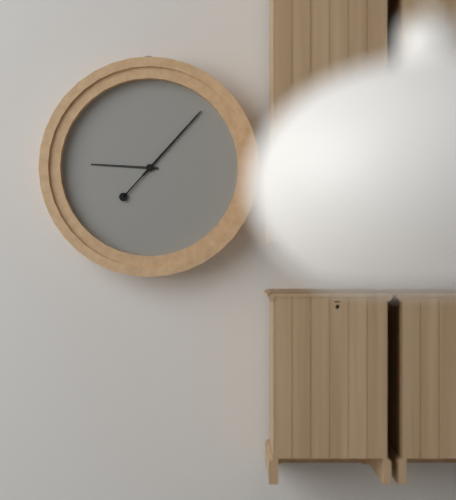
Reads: 9.07.07
